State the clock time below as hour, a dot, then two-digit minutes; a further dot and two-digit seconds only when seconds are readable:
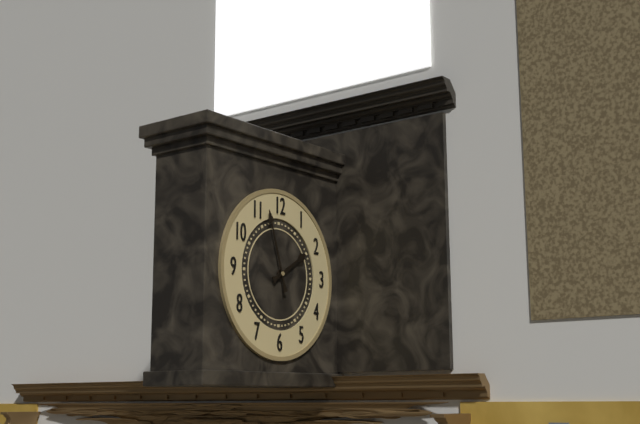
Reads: 1.57
